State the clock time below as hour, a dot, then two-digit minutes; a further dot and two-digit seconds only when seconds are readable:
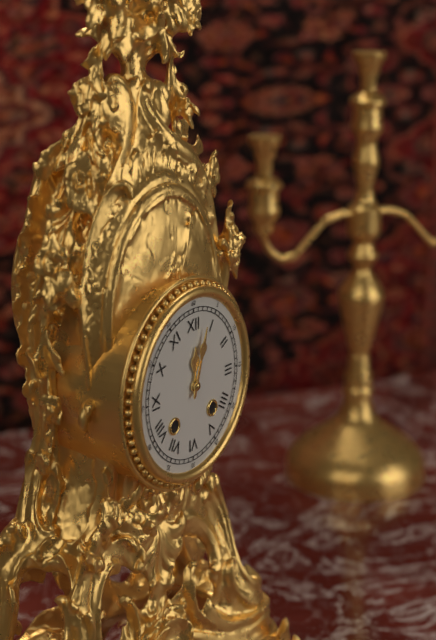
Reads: 12.03
